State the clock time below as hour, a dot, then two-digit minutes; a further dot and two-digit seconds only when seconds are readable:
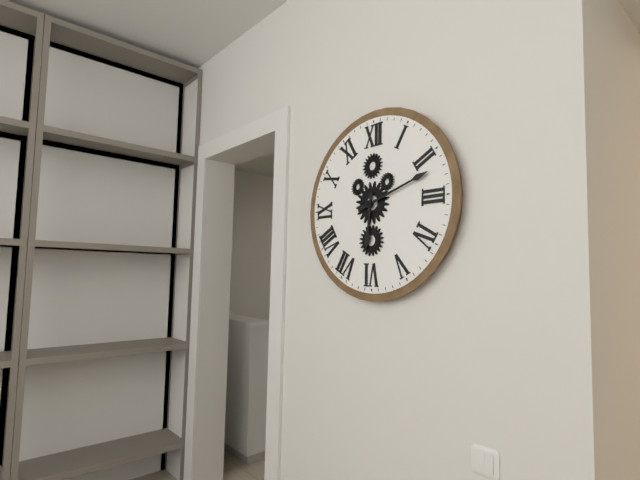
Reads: 6.12
